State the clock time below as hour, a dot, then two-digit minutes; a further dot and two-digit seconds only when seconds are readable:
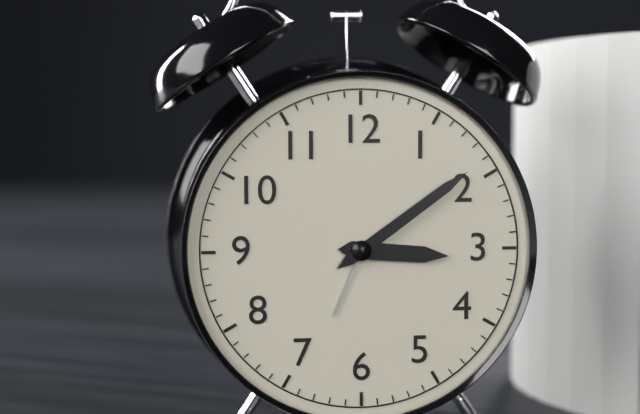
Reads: 3.09
